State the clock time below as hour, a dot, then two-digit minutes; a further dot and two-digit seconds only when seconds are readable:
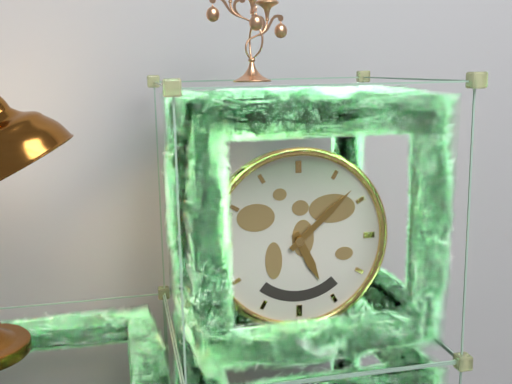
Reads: 5.08
